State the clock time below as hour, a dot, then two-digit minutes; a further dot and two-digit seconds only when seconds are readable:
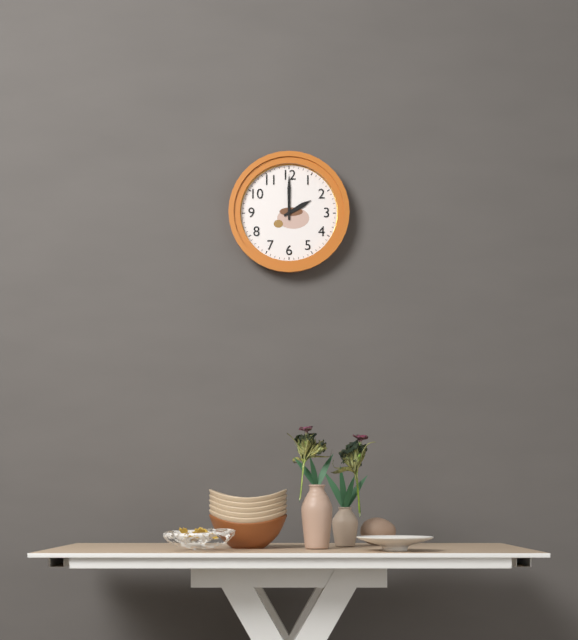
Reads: 2.00
